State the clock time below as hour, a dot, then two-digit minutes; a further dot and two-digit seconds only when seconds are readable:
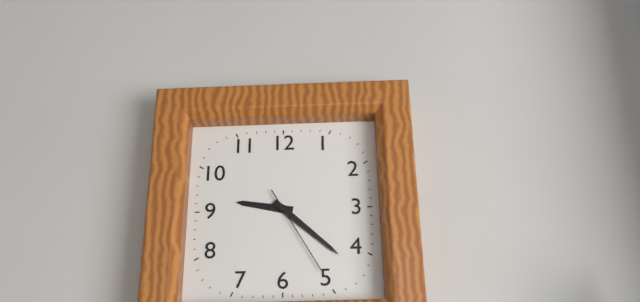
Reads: 9.22.25
